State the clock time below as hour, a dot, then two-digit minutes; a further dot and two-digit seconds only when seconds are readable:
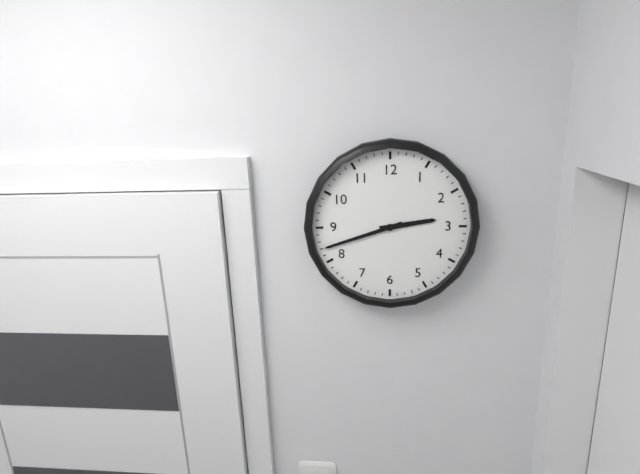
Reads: 2.42
